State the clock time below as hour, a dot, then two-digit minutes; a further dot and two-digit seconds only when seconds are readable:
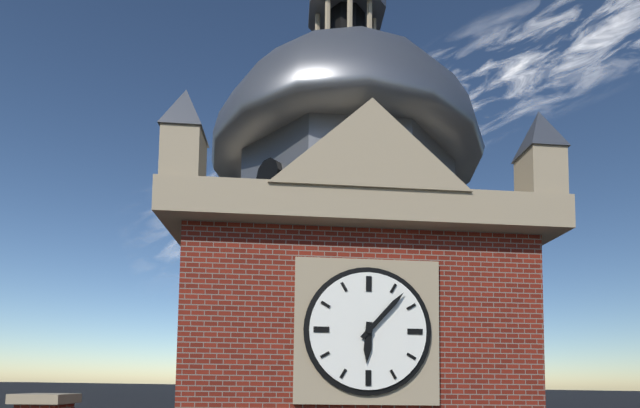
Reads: 6.07
